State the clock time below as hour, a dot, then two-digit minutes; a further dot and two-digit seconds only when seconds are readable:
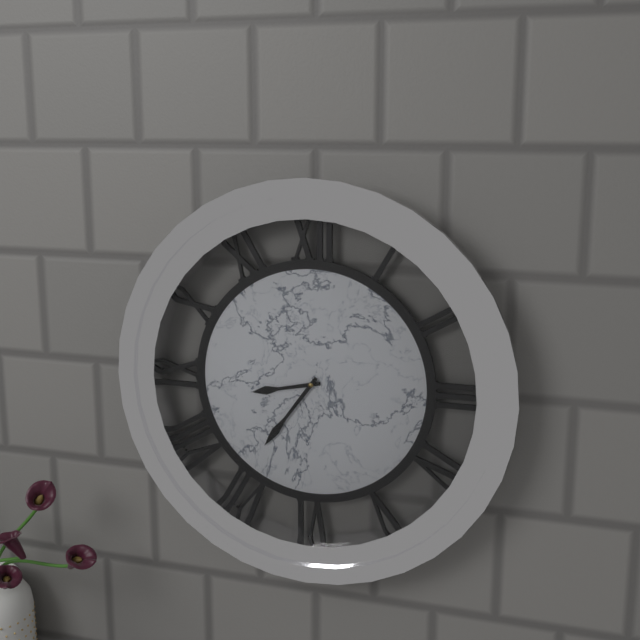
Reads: 8.36
